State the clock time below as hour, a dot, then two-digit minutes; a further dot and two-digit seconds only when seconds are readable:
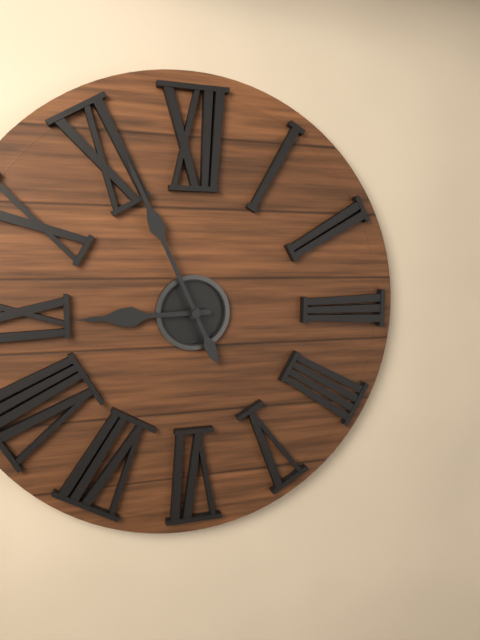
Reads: 8.56
